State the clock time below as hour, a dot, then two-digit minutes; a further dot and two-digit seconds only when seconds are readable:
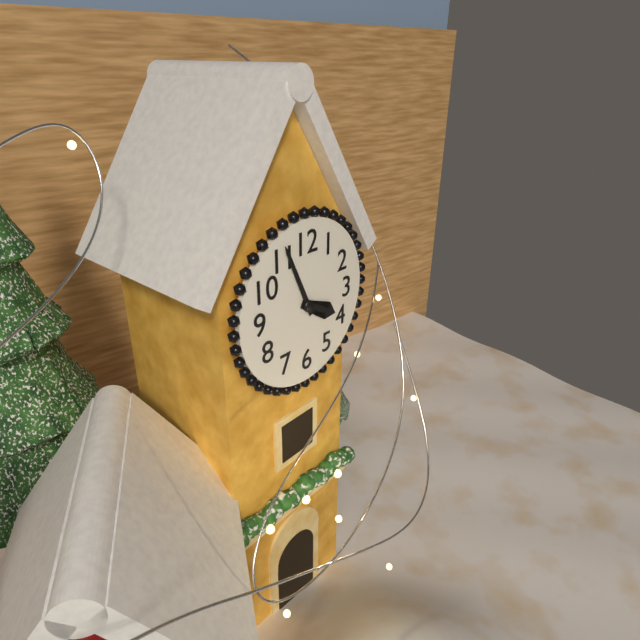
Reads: 3.56
